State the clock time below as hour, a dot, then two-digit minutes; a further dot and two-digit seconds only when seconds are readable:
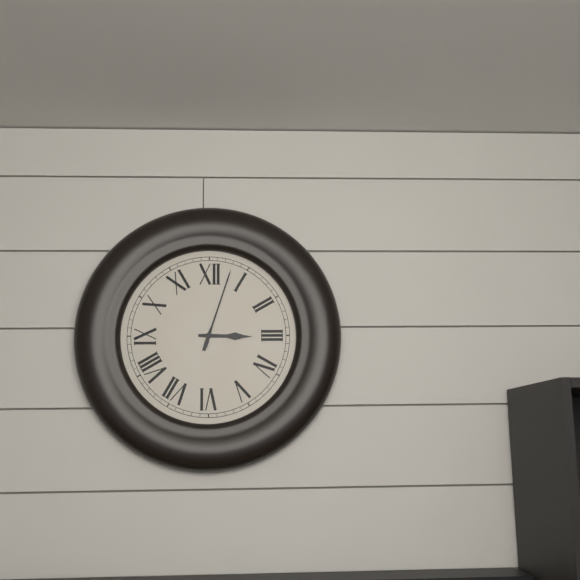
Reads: 3.03
